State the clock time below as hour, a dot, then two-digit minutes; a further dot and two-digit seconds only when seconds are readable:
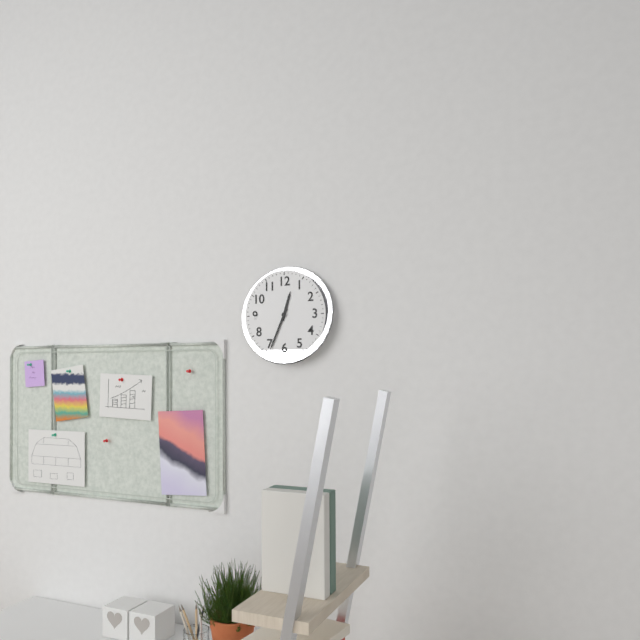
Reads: 12.34
